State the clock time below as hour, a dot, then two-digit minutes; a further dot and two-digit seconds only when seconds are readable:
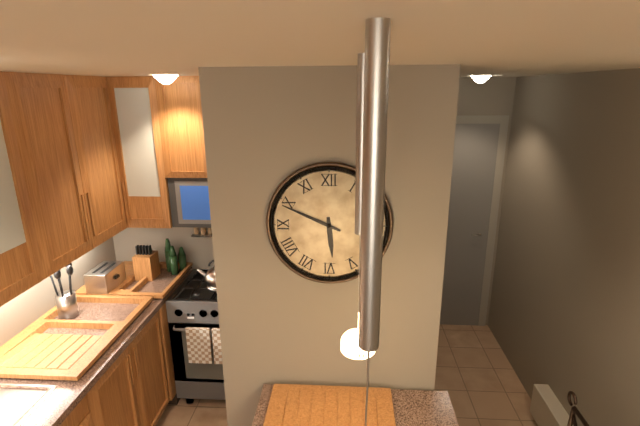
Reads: 5.49
